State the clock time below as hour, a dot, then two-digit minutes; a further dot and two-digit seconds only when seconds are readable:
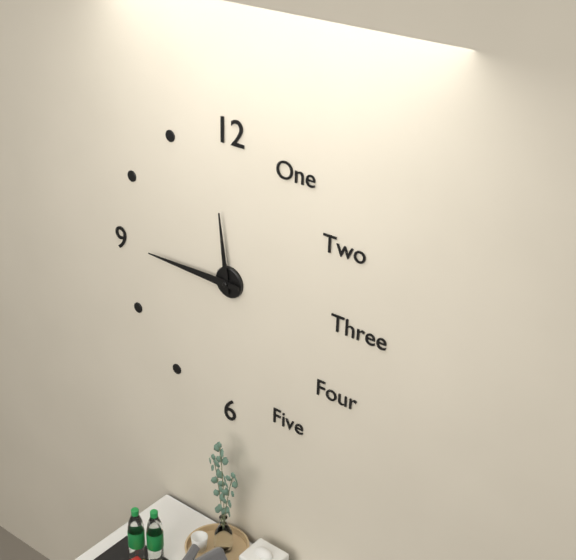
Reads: 11.45
